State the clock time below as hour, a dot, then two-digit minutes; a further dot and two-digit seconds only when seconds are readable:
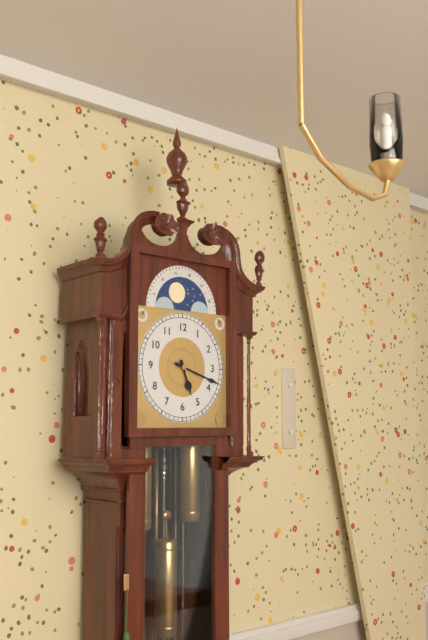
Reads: 5.18
